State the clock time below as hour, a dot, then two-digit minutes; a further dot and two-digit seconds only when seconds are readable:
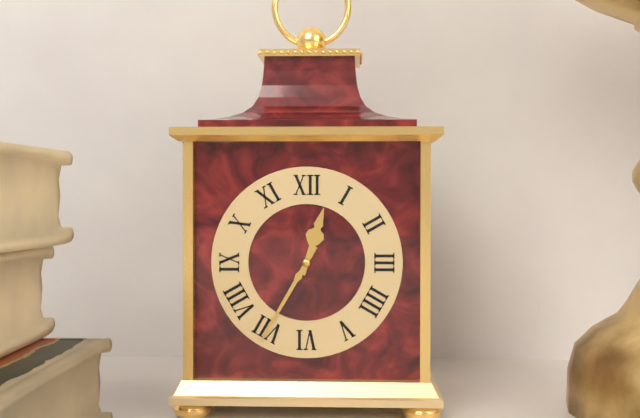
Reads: 12.35
